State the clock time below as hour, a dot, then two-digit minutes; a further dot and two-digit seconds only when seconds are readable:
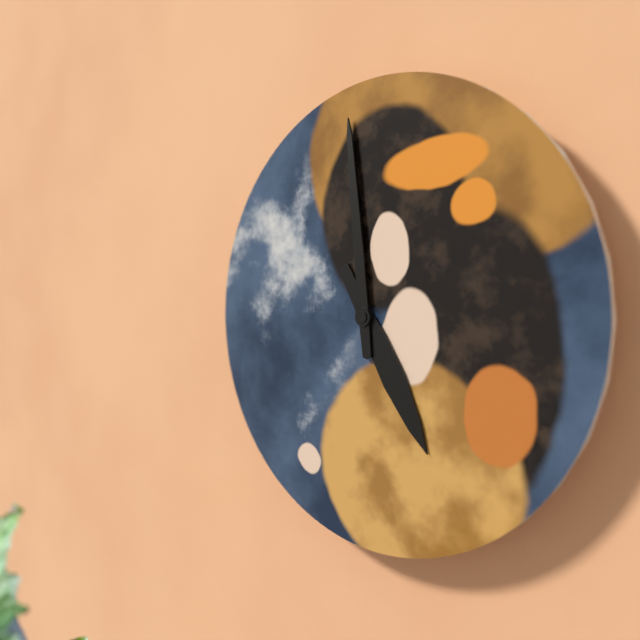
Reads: 4.59
